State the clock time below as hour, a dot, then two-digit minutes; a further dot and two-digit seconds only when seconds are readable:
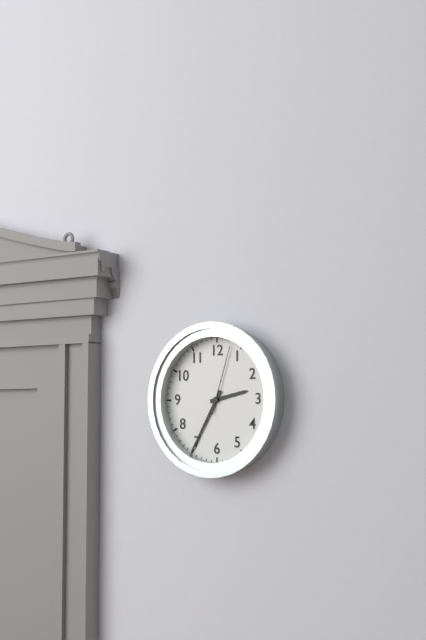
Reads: 2.35.03
